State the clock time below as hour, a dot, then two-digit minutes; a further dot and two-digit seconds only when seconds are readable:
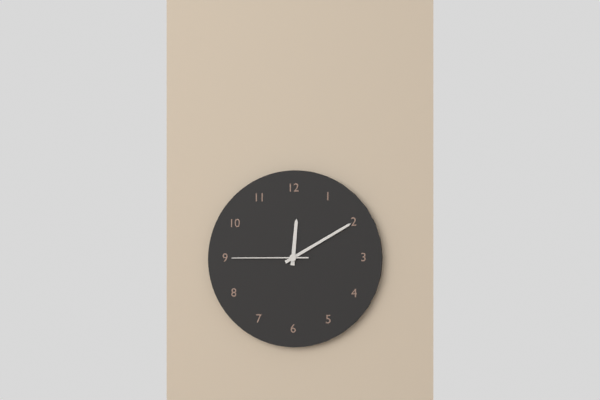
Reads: 12.10.45
